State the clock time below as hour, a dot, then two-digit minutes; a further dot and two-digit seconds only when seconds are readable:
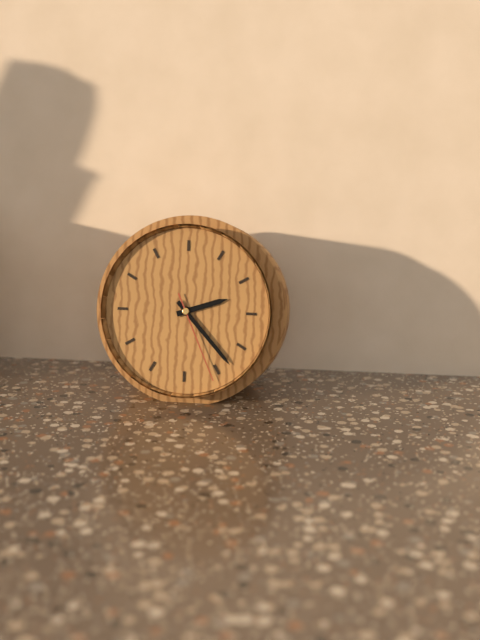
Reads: 2.23.26
